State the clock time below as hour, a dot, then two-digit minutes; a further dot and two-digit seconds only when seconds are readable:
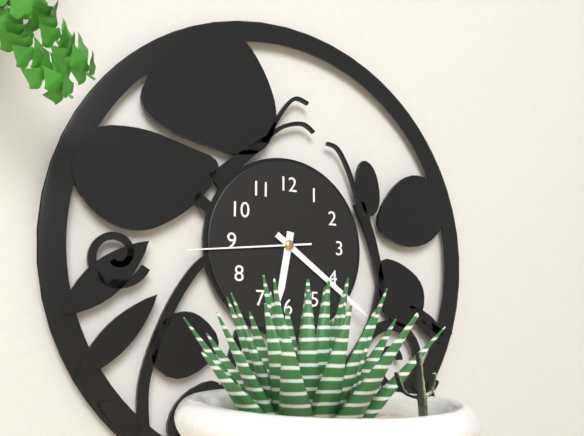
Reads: 6.21.44
